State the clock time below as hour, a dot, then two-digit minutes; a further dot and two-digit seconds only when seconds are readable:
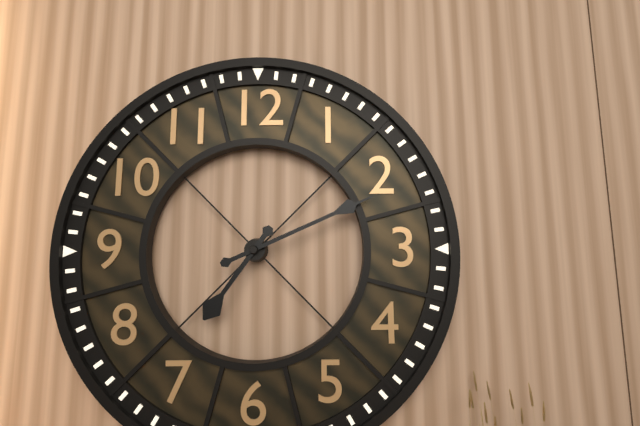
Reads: 7.11
